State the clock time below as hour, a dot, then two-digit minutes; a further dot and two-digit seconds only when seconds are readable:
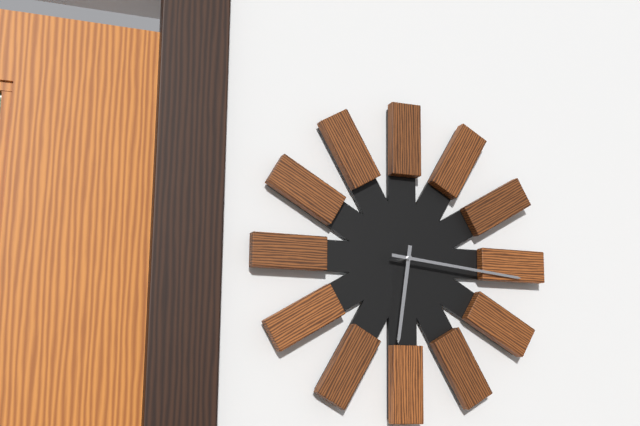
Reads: 6.16
